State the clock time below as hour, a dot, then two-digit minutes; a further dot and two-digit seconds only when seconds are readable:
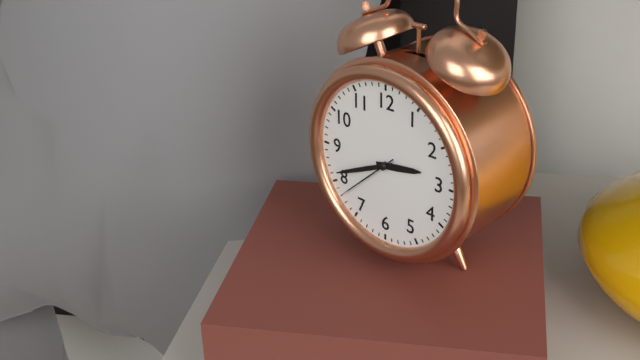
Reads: 2.41.38
